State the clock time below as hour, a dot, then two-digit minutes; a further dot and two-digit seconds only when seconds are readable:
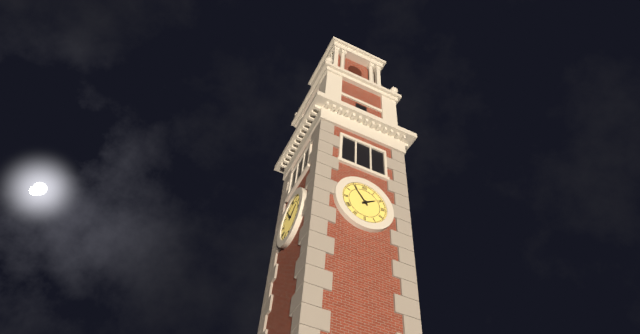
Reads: 1.54
